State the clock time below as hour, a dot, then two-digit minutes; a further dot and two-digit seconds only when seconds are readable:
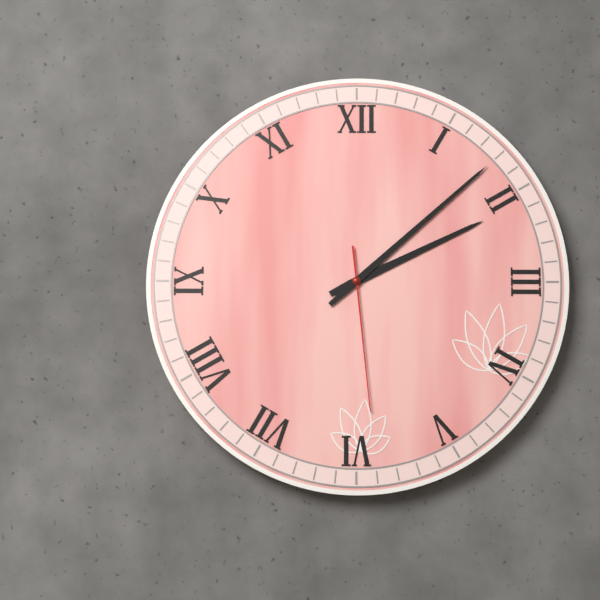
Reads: 2.08.29
